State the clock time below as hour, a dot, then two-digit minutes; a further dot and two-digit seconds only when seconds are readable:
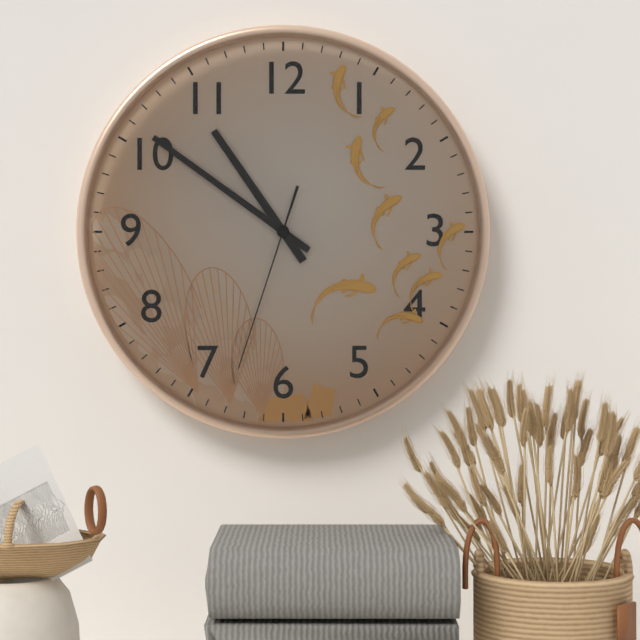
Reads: 10.51.33
